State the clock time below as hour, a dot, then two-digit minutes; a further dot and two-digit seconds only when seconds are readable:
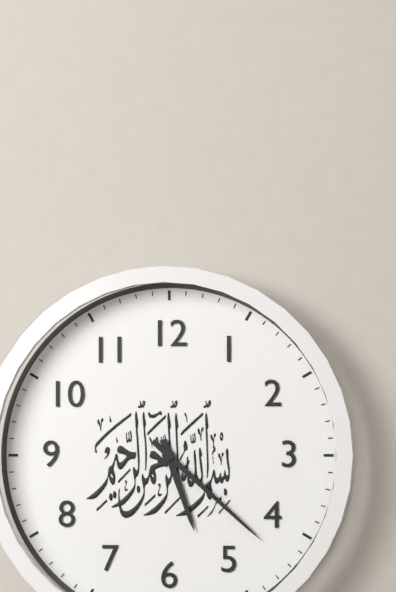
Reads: 5.22
